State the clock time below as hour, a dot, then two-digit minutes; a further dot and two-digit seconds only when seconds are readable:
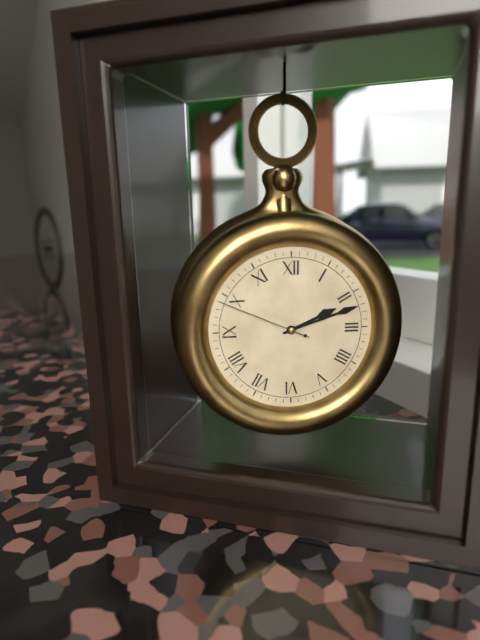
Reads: 2.12.49
